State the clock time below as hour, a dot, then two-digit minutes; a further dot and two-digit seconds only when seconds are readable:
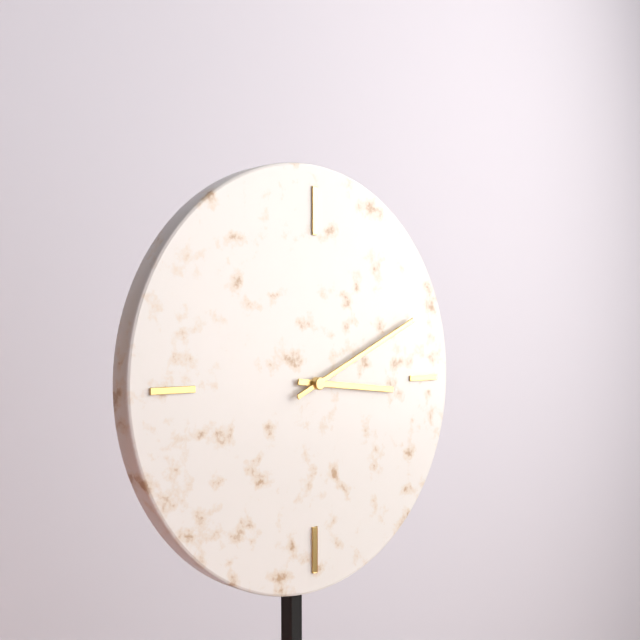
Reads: 3.11
